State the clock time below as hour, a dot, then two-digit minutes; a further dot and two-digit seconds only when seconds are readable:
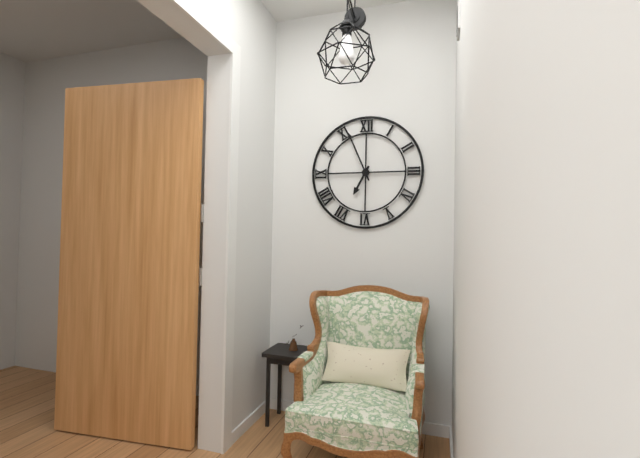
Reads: 6.56
